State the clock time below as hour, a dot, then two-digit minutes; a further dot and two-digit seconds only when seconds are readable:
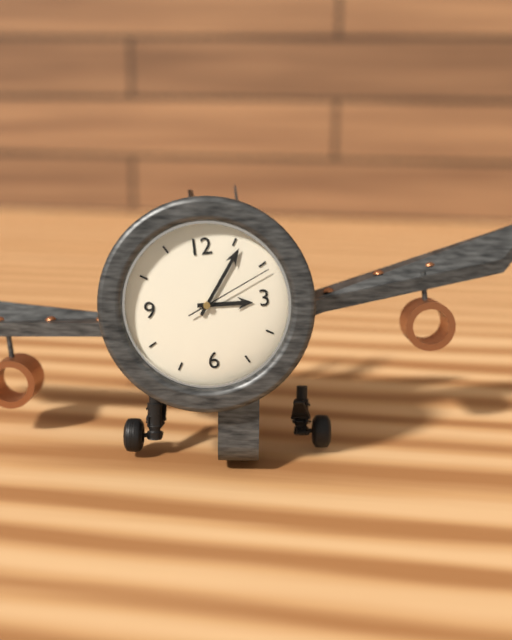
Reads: 3.06.11
